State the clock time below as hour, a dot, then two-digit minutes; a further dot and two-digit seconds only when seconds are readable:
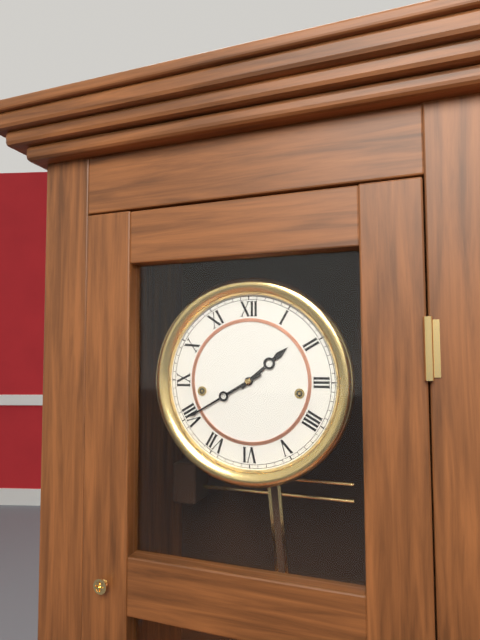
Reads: 1.40
